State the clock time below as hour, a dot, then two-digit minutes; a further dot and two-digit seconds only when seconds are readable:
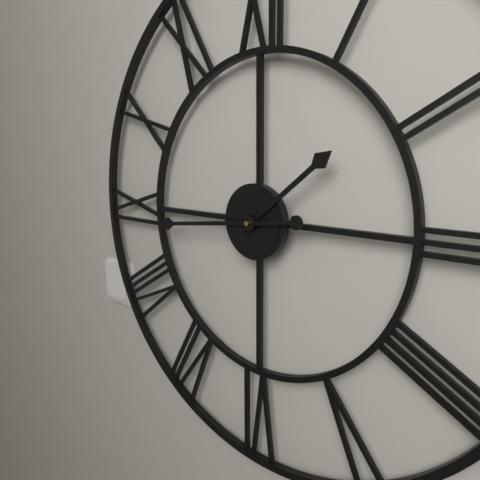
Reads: 1.44
